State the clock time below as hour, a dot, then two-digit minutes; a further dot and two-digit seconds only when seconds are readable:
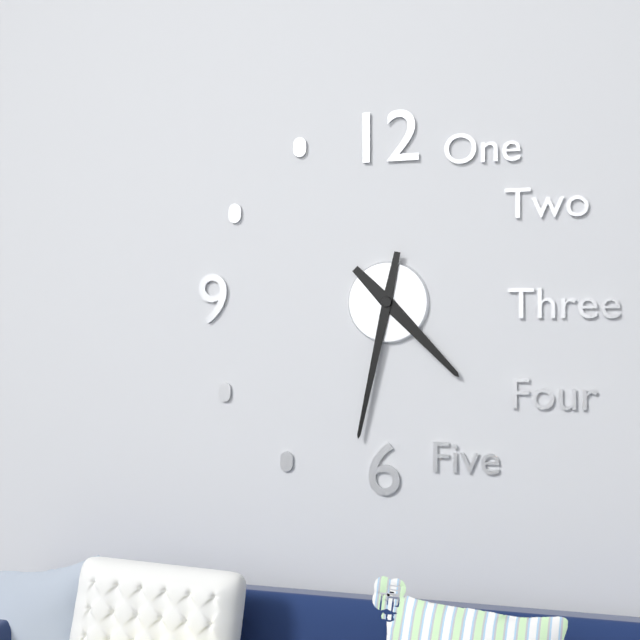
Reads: 4.32
